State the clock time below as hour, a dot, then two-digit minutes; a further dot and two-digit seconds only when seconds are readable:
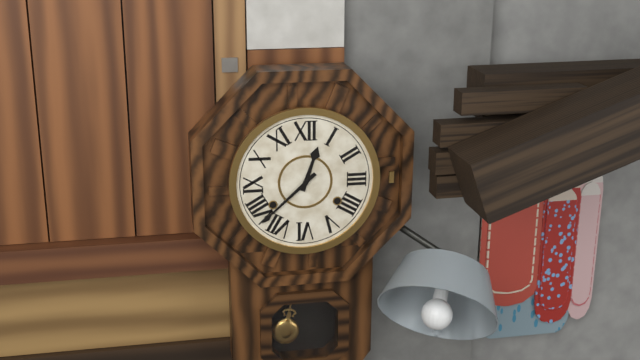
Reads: 12.38
